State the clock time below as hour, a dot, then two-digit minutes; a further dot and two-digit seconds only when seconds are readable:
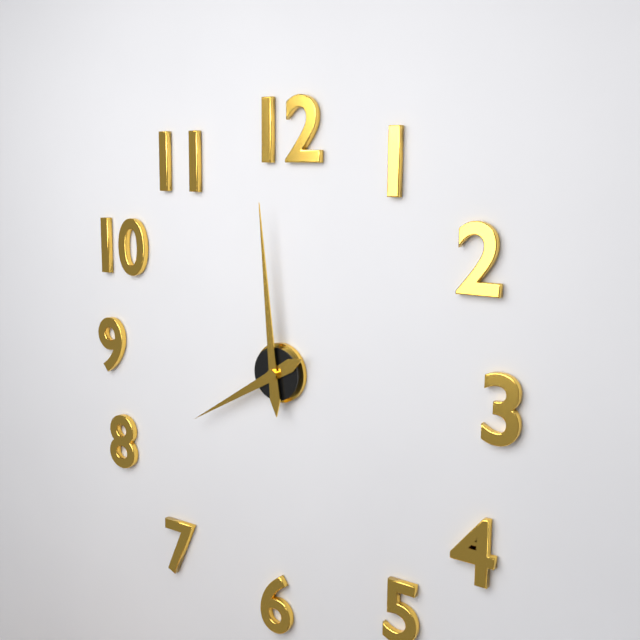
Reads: 7.59
